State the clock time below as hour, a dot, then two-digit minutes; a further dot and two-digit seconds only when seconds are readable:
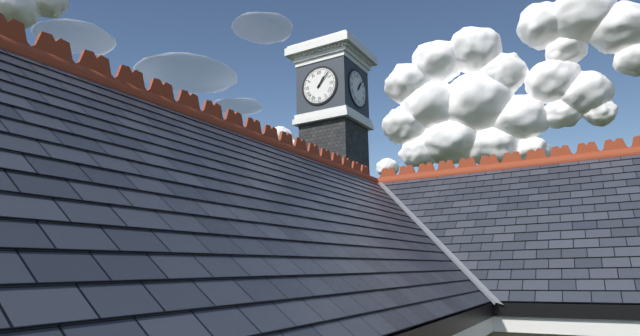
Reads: 1.07
